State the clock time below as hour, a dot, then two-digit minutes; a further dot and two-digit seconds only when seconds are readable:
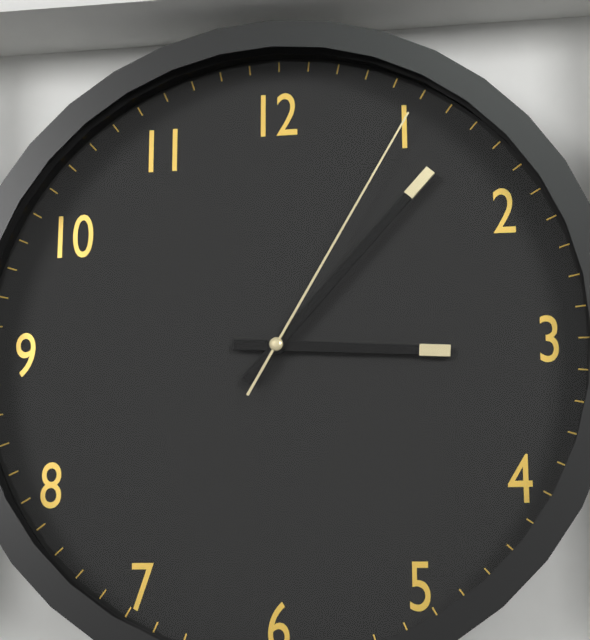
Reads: 3.07.05
